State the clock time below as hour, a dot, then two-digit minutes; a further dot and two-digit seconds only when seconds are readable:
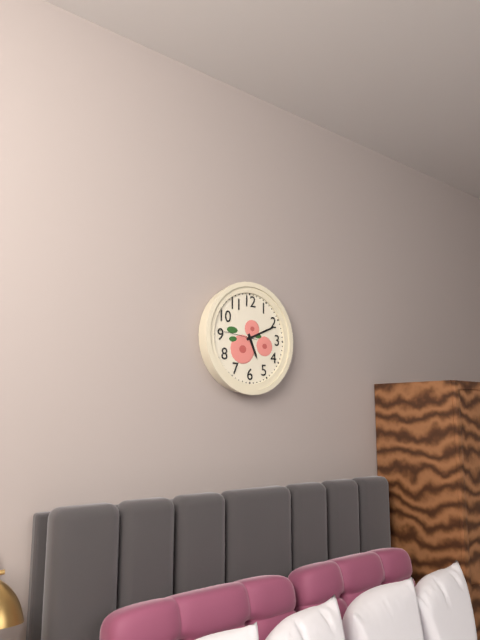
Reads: 5.11
